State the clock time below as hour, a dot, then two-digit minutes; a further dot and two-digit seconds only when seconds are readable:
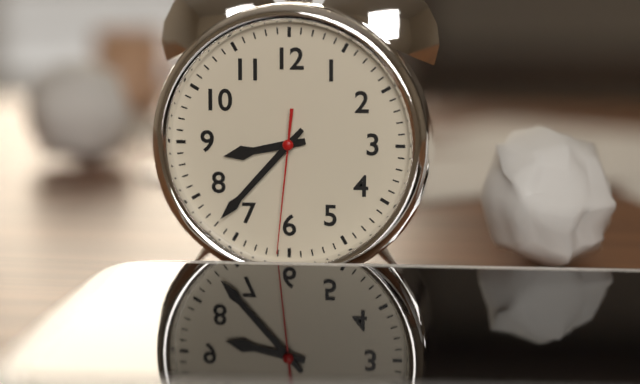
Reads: 8.37.31
